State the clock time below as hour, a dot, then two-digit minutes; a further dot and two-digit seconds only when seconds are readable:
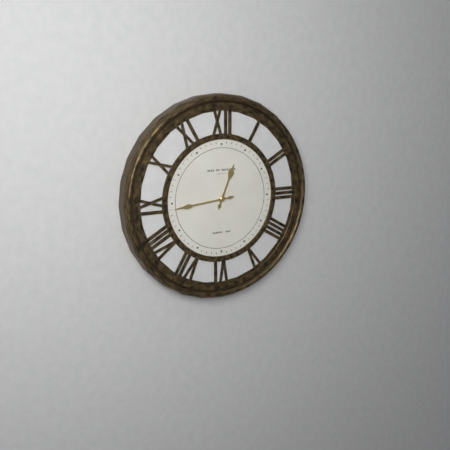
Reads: 12.44
